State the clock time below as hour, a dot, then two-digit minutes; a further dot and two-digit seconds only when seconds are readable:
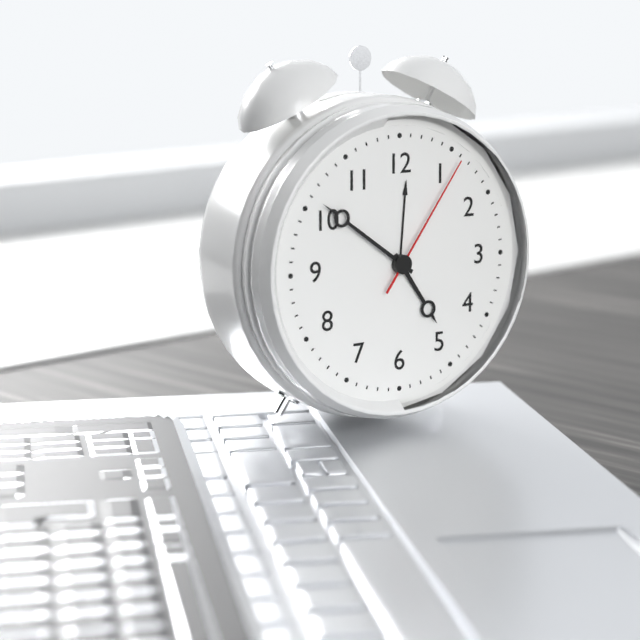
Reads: 4.51.06
